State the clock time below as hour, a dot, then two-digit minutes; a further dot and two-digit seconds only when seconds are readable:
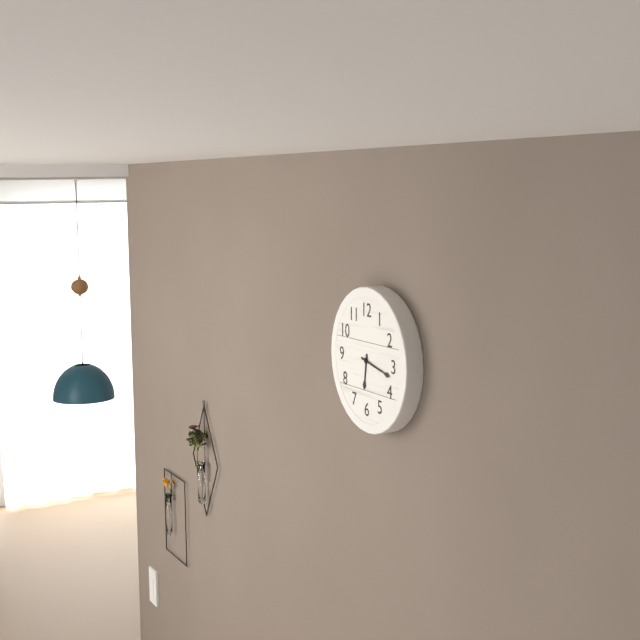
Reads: 6.17
